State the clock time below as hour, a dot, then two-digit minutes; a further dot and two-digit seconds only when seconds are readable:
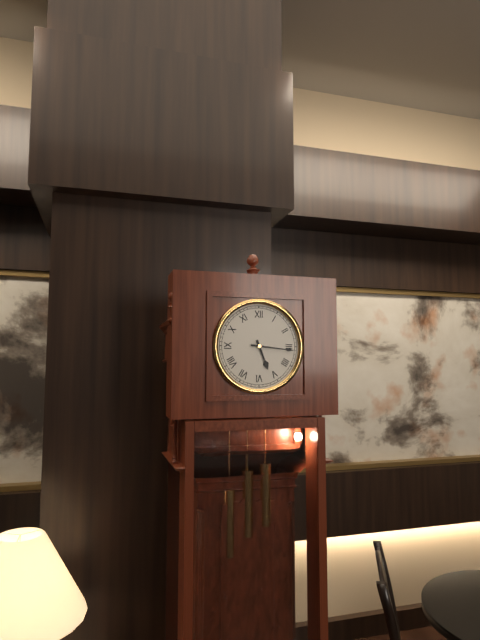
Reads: 5.16
